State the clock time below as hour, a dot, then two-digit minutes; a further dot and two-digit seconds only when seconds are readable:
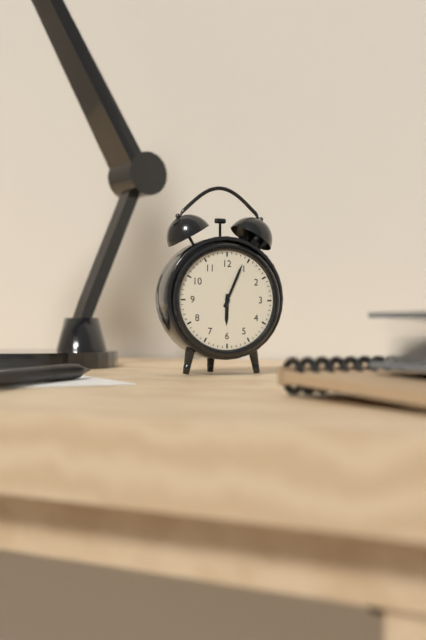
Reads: 6.04
